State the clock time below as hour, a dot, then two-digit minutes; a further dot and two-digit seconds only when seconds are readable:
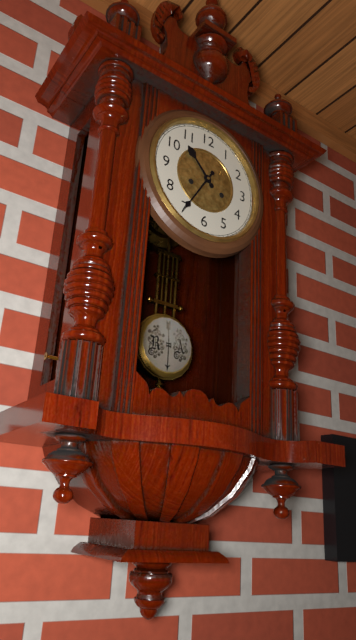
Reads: 10.35
